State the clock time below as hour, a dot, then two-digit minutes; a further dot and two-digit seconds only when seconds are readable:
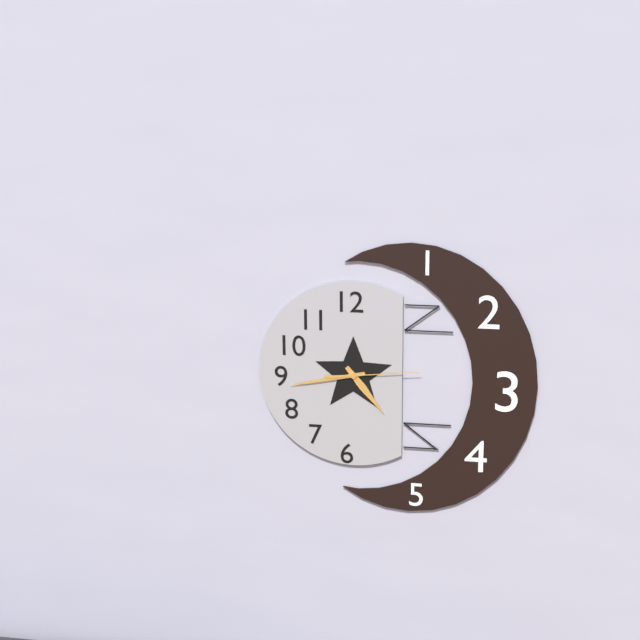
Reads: 4.43.14
